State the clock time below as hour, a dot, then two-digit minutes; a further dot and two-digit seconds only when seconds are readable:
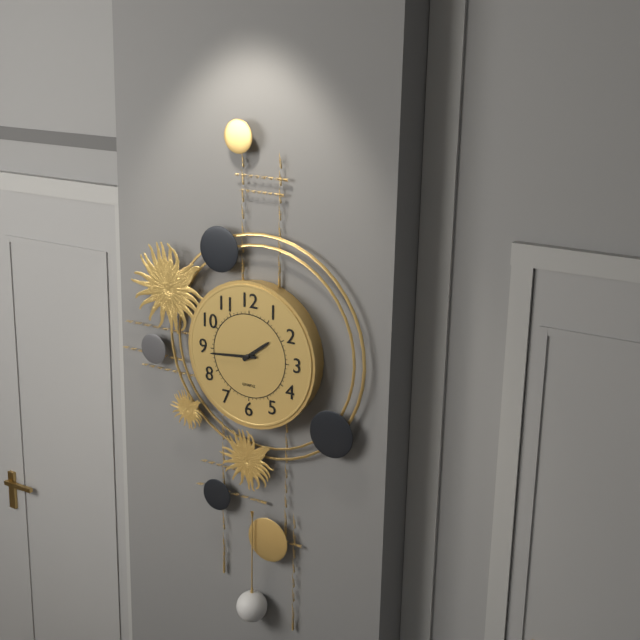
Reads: 1.44
